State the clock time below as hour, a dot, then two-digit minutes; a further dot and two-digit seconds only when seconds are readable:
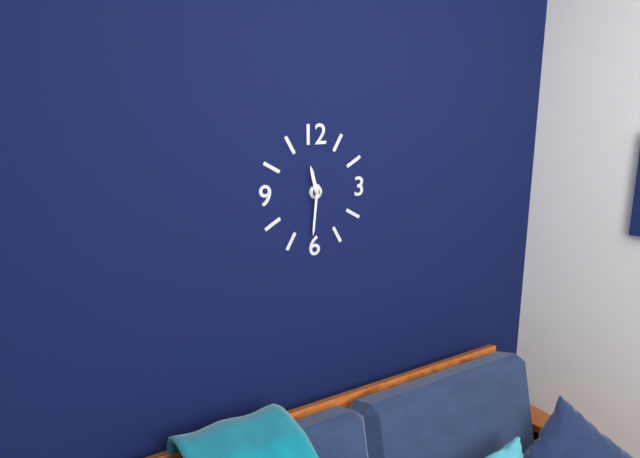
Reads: 11.31
